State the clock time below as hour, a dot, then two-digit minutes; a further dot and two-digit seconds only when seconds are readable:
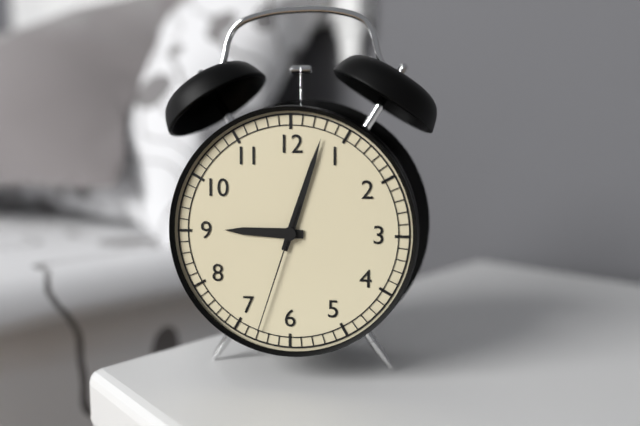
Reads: 9.03.33
